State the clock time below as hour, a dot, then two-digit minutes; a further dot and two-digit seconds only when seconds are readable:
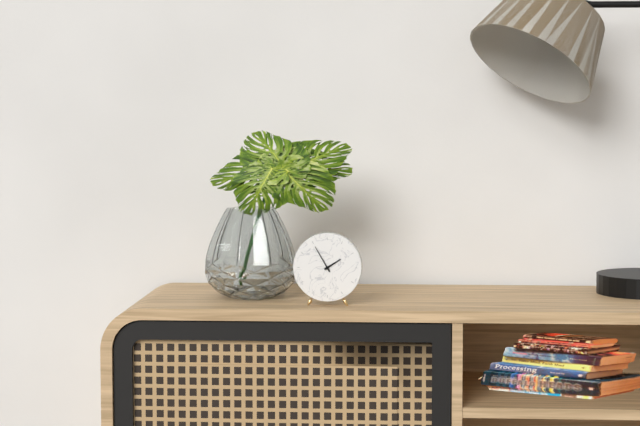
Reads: 1.55
